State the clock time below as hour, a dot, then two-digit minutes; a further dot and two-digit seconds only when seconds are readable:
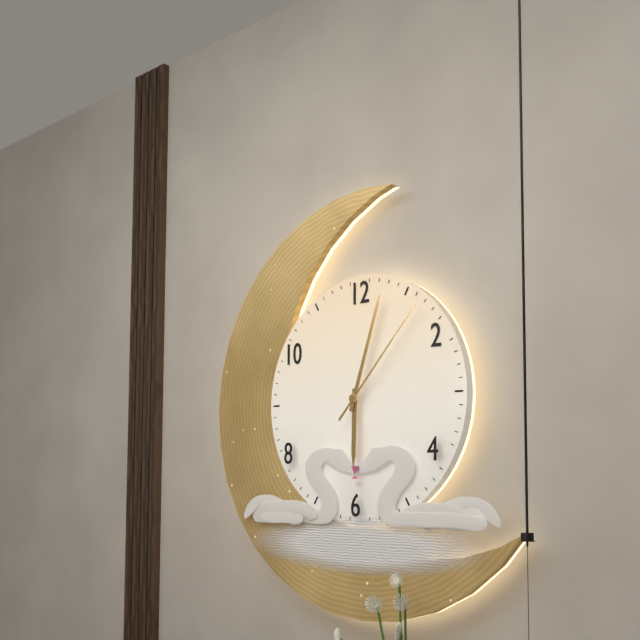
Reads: 6.03.07
